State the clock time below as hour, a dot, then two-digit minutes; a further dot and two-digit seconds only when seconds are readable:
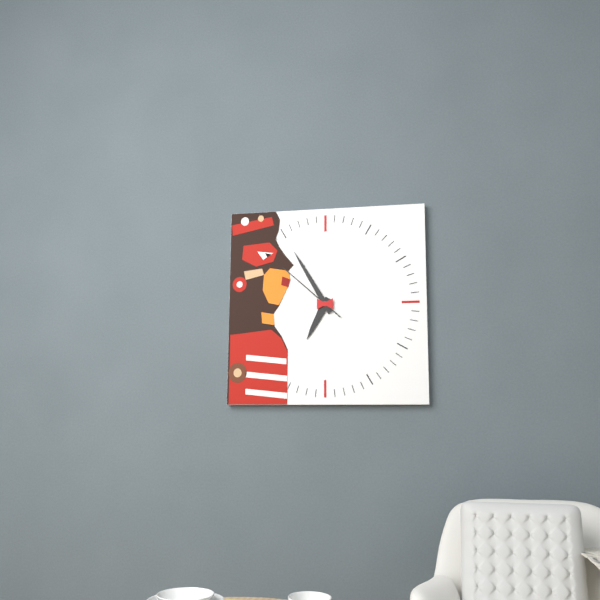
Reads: 6.55.52
